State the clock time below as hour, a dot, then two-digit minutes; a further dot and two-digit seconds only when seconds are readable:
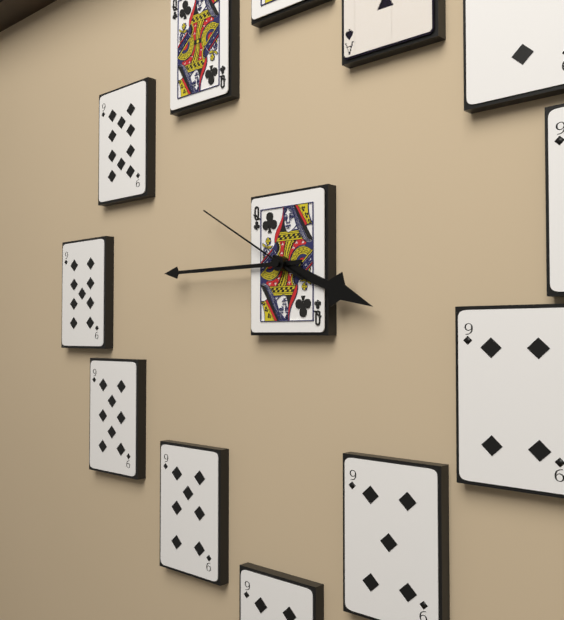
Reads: 3.45.50
